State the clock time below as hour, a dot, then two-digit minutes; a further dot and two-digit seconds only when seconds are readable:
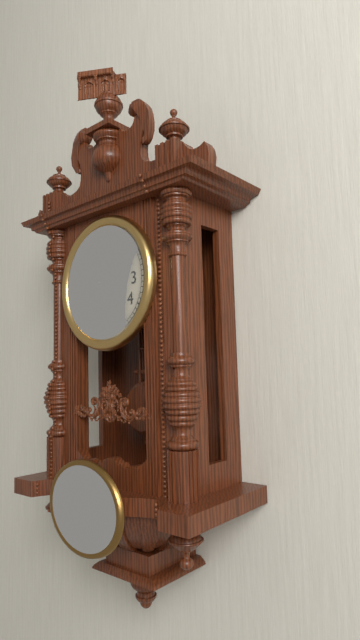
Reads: 7.02
